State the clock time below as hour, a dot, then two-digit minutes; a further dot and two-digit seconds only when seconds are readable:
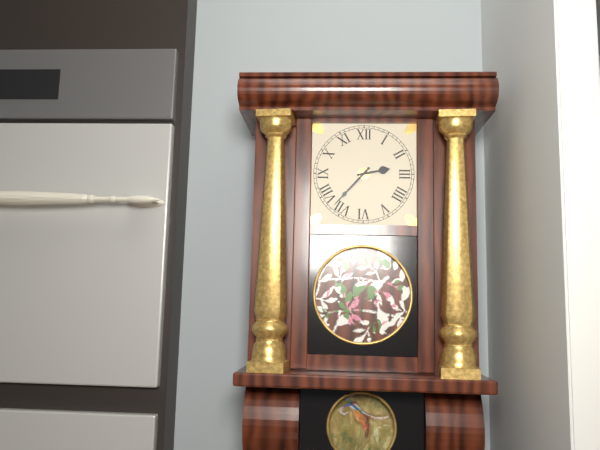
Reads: 2.37
